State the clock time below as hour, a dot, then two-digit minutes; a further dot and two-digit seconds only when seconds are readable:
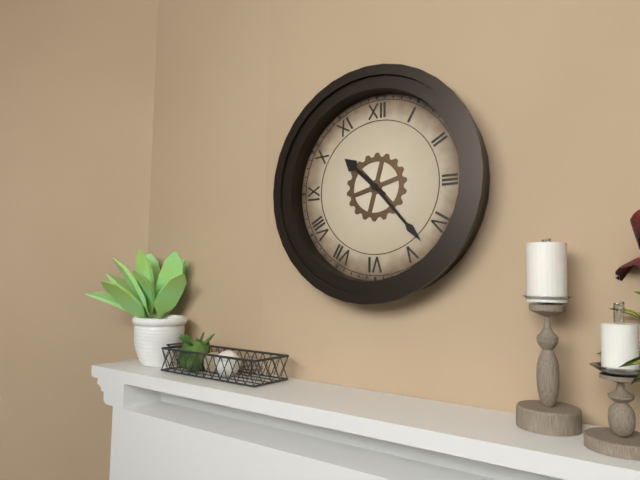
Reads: 10.23
